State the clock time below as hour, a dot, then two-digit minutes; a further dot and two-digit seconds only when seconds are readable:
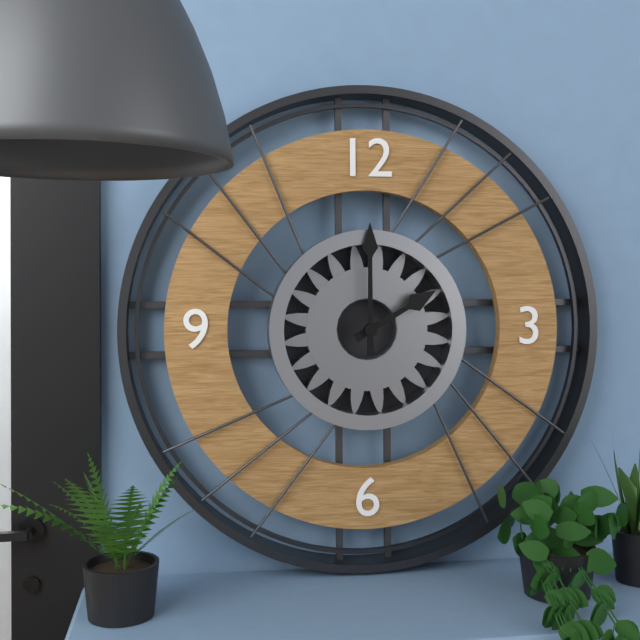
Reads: 2.00
